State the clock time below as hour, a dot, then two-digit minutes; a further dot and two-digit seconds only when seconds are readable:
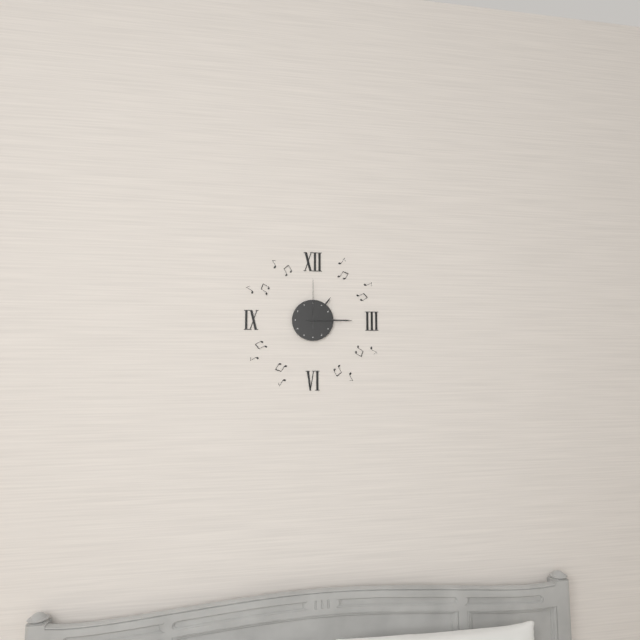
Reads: 1.15.00
